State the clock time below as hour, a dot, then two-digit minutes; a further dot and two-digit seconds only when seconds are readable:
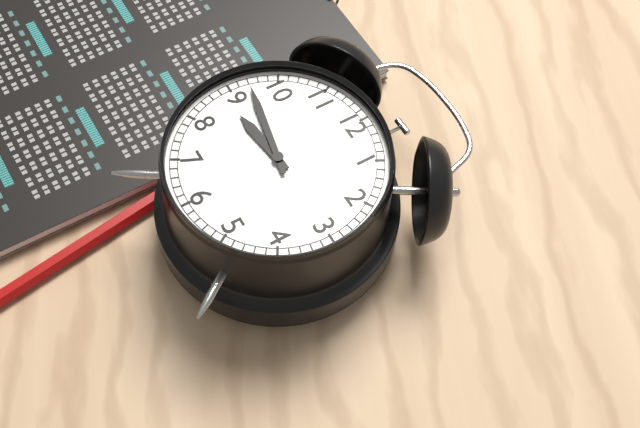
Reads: 8.47
